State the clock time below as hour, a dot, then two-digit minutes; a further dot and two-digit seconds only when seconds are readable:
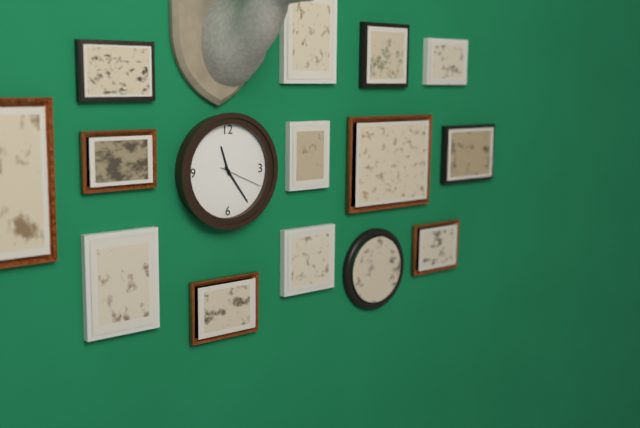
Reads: 11.24
